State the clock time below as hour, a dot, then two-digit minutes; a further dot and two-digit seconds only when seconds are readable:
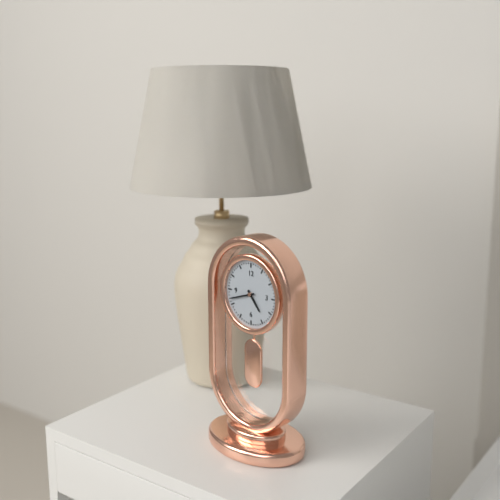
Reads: 4.42
